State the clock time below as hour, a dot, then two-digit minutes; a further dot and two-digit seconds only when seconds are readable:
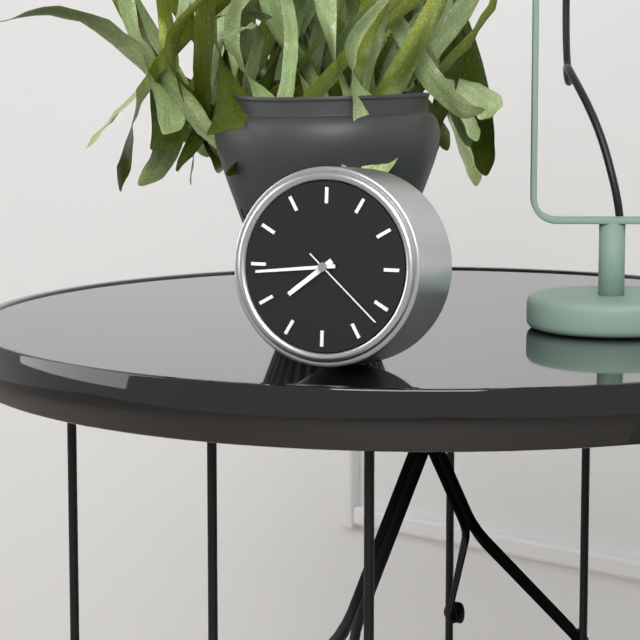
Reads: 7.44.22
